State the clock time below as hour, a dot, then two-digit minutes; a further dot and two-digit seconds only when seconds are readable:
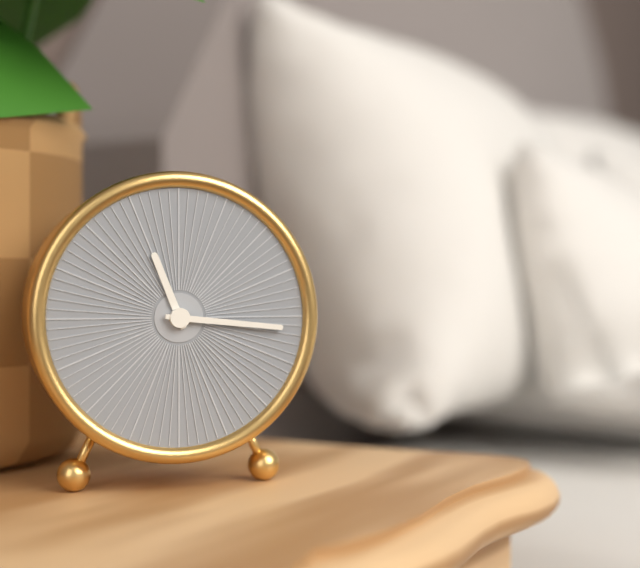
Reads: 11.16
